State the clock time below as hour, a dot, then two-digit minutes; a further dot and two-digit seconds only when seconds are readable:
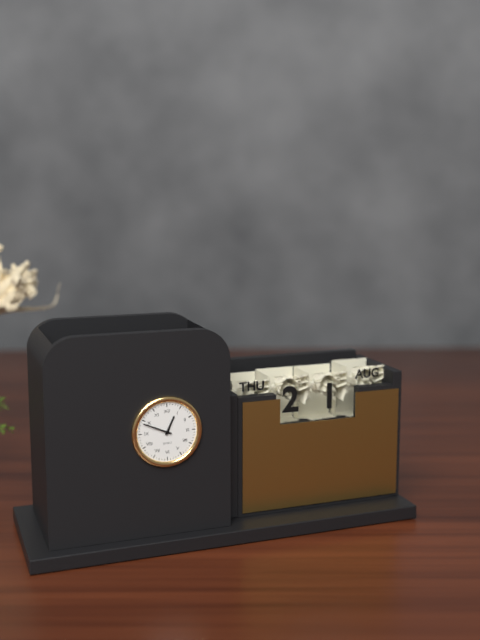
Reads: 12.49
